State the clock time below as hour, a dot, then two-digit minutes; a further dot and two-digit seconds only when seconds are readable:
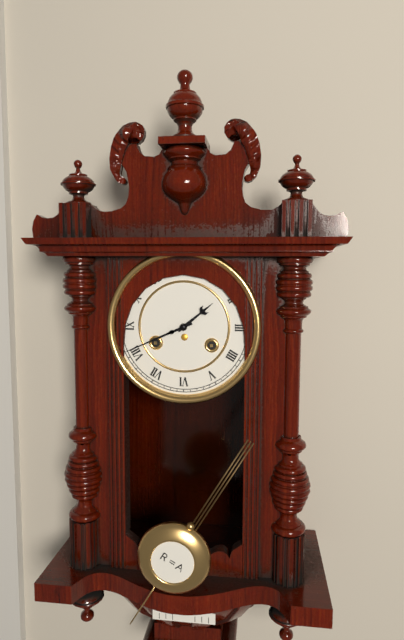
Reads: 1.41
